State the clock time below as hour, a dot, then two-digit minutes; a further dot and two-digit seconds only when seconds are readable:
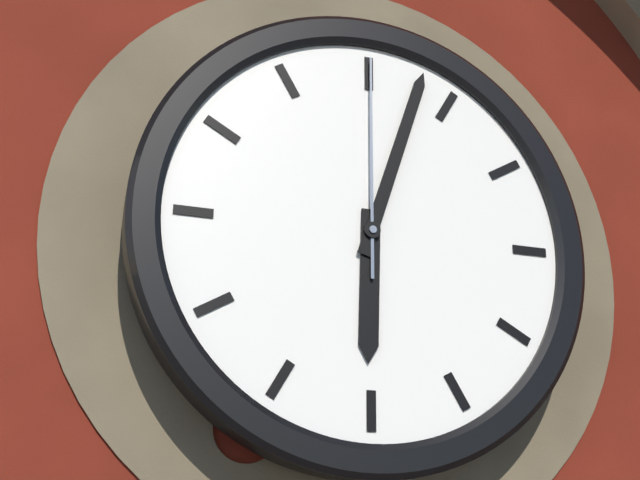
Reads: 6.03.00
